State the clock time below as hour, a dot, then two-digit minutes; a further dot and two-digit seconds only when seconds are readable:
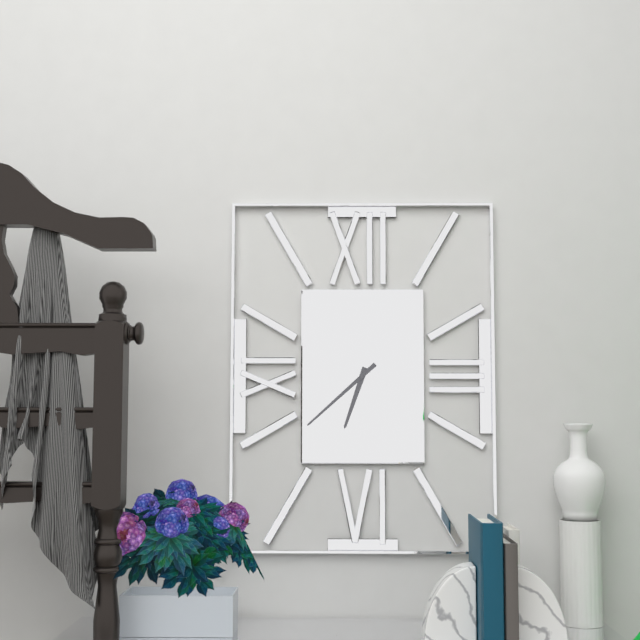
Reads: 6.38
